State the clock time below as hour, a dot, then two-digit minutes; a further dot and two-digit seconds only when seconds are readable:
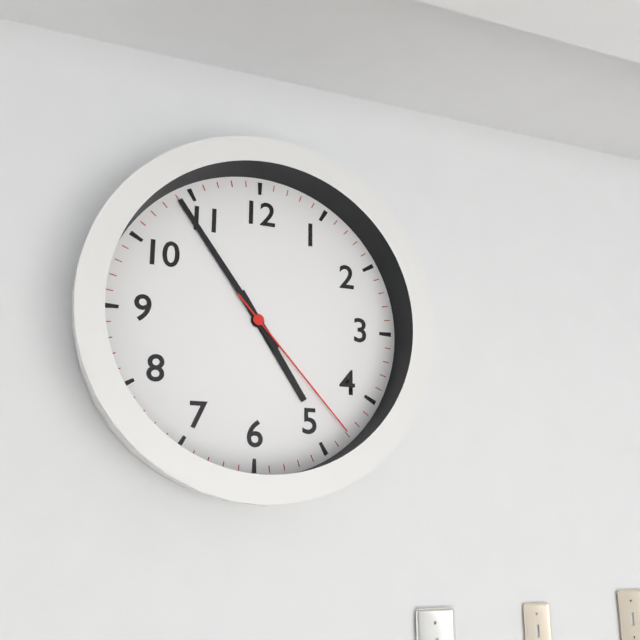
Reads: 4.54.23
